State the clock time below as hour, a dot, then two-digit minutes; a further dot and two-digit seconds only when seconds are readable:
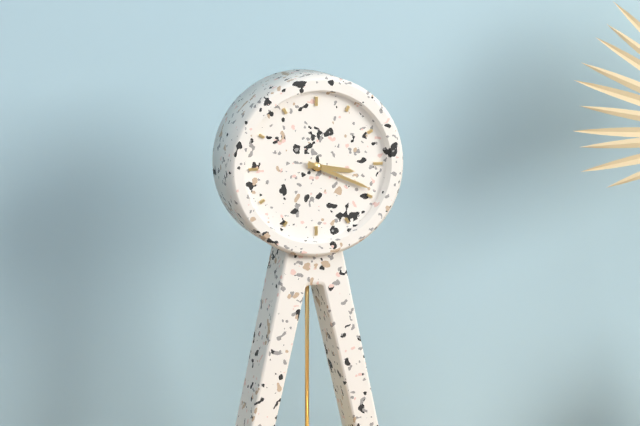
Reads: 3.19
